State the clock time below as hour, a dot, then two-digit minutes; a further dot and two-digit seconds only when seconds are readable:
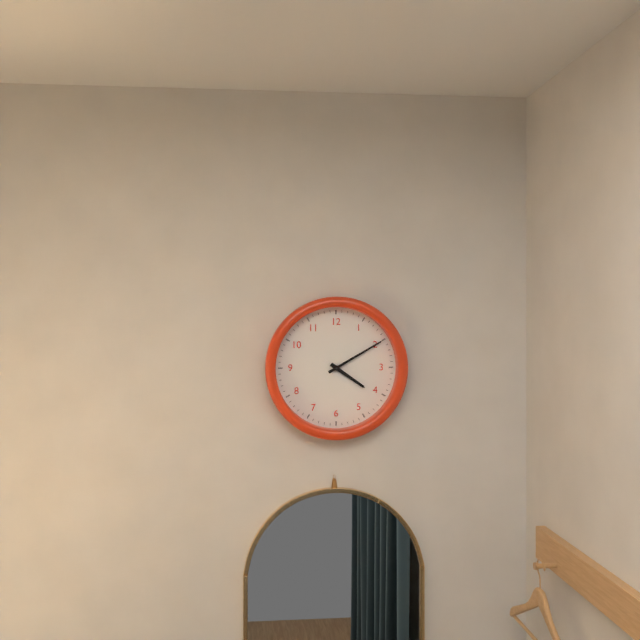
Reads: 4.10
